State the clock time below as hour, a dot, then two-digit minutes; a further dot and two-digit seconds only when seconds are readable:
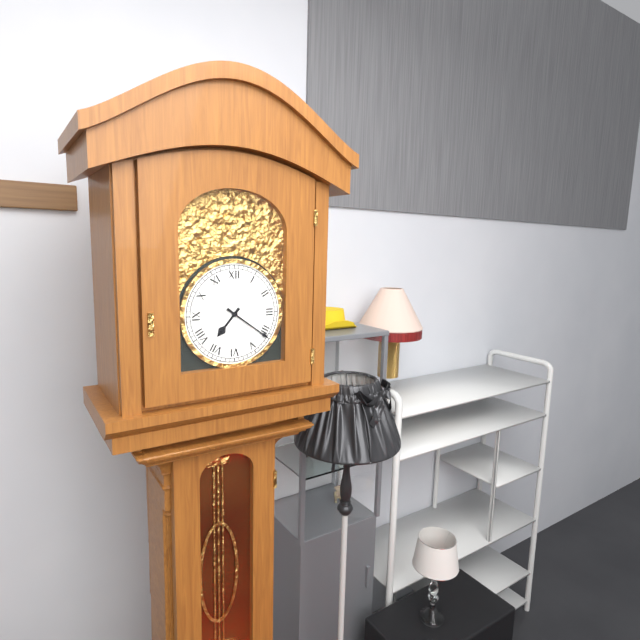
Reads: 7.21
